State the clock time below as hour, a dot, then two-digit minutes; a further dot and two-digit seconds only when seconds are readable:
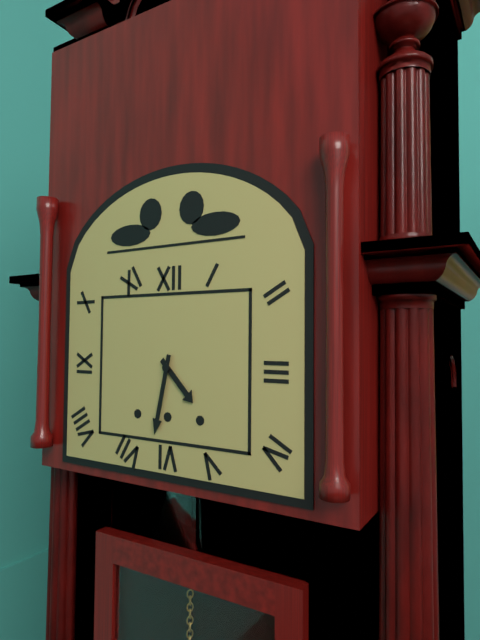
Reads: 4.32
